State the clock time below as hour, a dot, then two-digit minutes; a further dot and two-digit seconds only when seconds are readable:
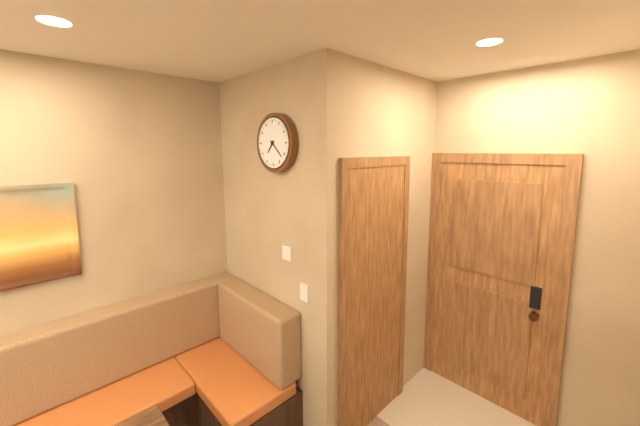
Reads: 7.22
